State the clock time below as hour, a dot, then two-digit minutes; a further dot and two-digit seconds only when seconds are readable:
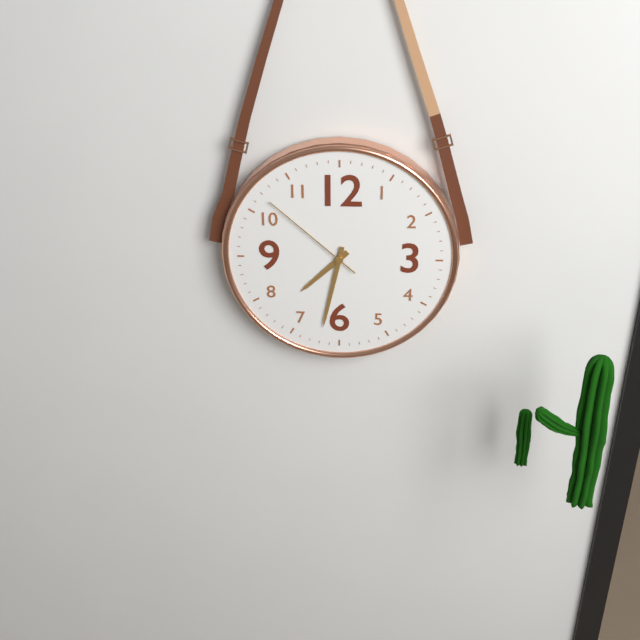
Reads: 7.32.52
